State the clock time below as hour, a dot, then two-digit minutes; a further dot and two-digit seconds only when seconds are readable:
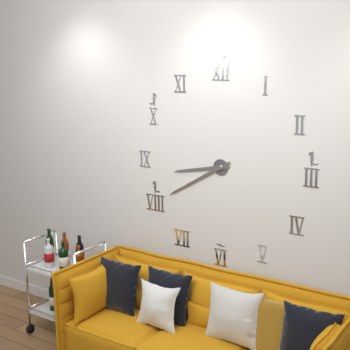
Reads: 8.40
